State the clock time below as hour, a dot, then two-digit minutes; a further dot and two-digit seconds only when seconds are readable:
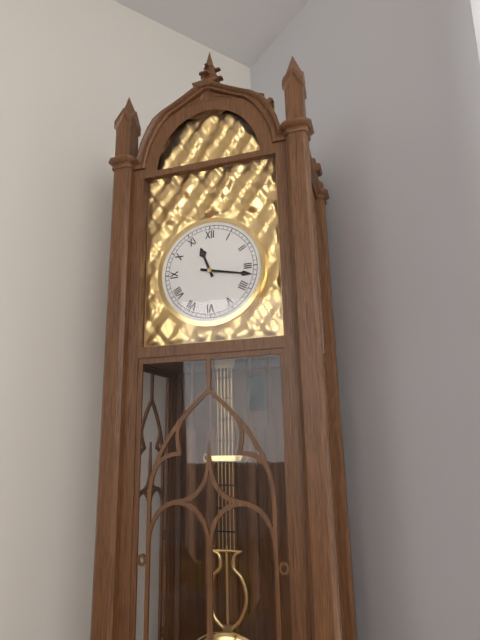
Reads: 11.17
